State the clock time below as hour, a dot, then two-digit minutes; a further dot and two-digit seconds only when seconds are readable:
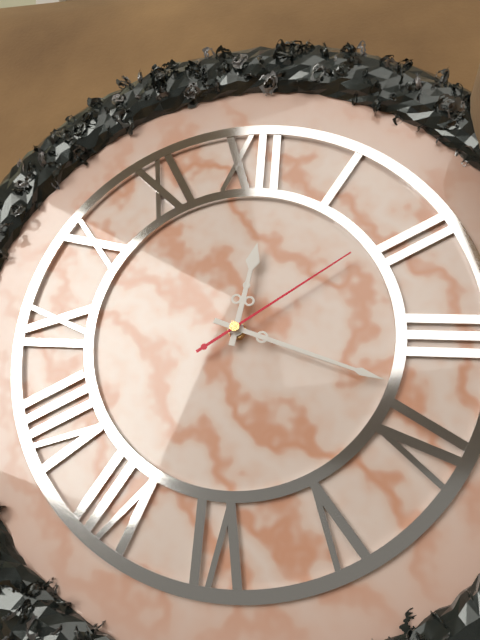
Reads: 12.18.09
